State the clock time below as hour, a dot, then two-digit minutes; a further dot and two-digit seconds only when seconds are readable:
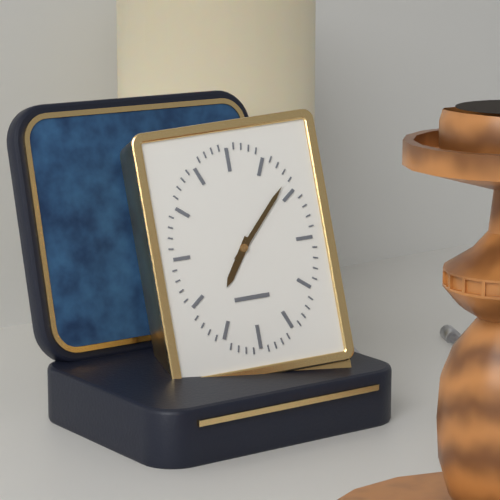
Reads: 7.07
